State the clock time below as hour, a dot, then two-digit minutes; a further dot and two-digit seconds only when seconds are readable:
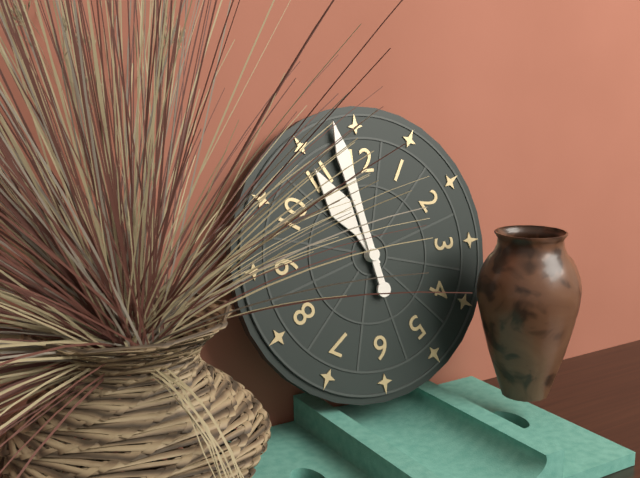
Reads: 10.58
